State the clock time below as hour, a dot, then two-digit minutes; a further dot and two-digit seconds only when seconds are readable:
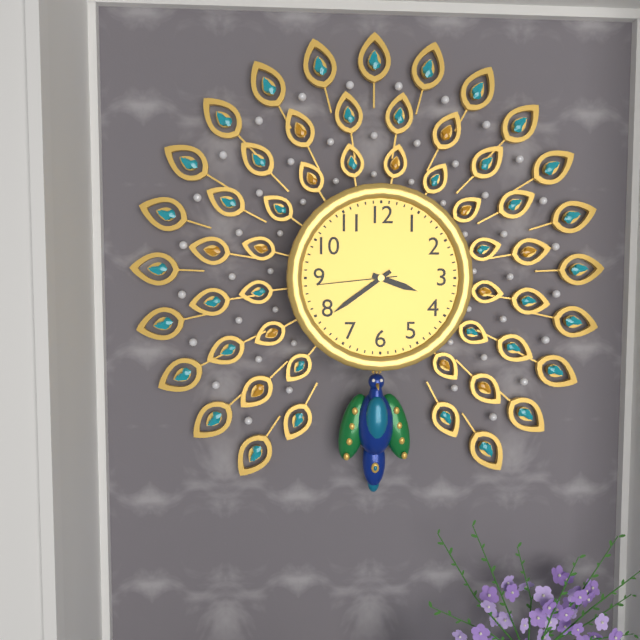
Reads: 3.39.44
